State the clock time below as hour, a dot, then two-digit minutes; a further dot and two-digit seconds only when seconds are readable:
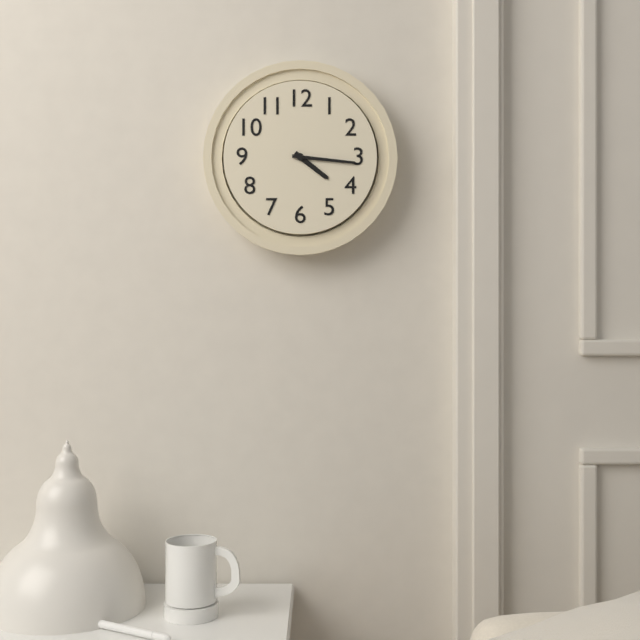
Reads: 4.16
